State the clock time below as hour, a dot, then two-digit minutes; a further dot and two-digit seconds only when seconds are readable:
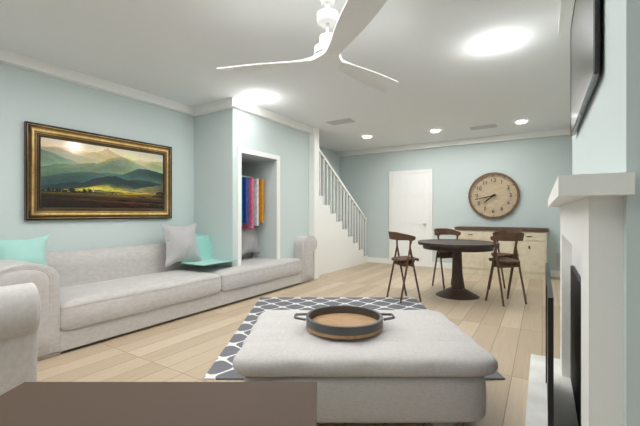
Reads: 7.43
